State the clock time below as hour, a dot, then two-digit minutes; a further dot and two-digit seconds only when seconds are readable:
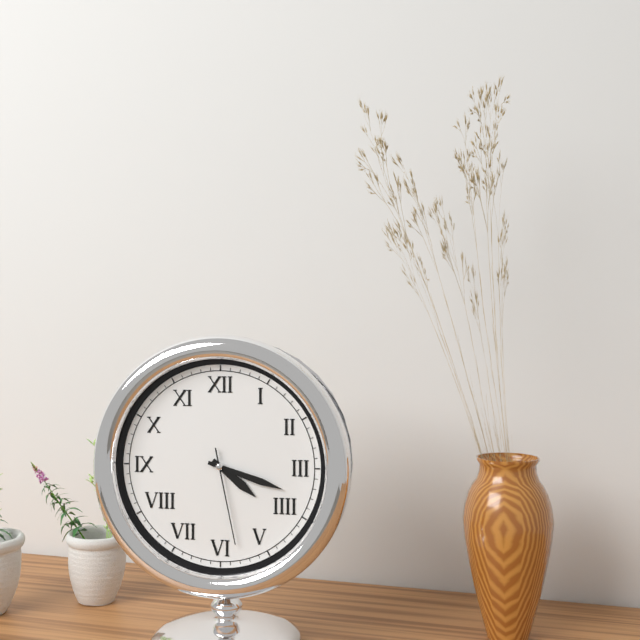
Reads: 4.18.28
